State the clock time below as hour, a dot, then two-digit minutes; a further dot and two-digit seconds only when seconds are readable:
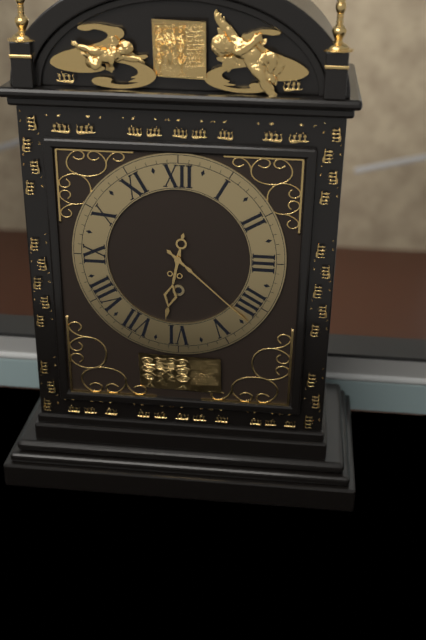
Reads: 6.22
